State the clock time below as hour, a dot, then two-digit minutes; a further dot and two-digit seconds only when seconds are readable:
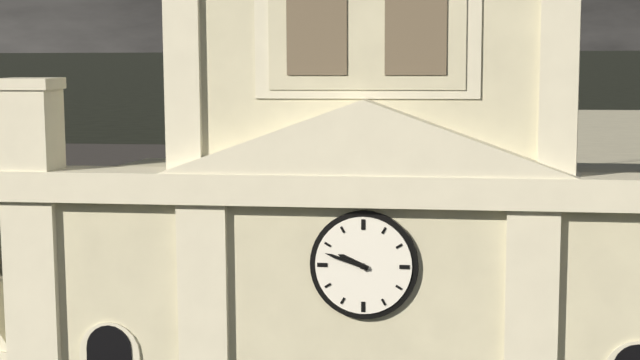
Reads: 9.48
